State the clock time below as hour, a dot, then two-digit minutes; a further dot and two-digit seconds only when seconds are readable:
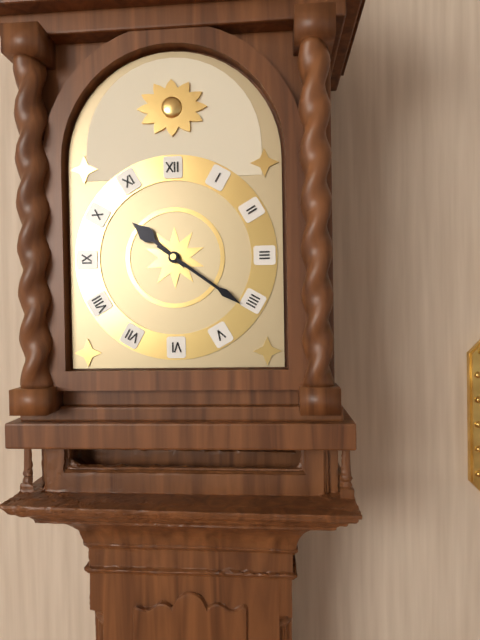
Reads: 10.21
